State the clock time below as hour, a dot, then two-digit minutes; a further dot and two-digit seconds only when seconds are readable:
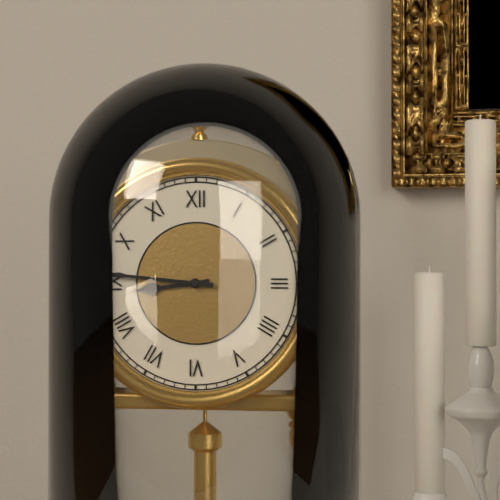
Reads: 8.46
